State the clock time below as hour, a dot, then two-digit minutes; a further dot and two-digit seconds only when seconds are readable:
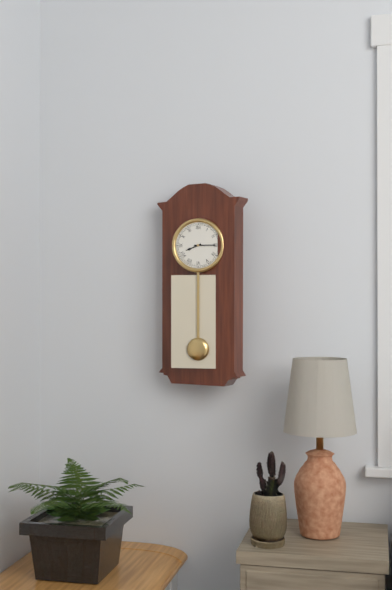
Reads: 8.15
